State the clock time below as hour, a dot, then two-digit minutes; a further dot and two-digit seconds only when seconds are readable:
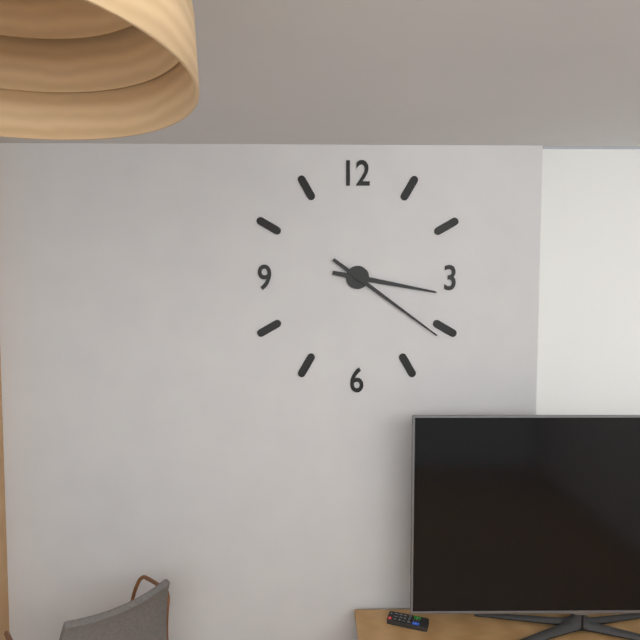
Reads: 3.21
